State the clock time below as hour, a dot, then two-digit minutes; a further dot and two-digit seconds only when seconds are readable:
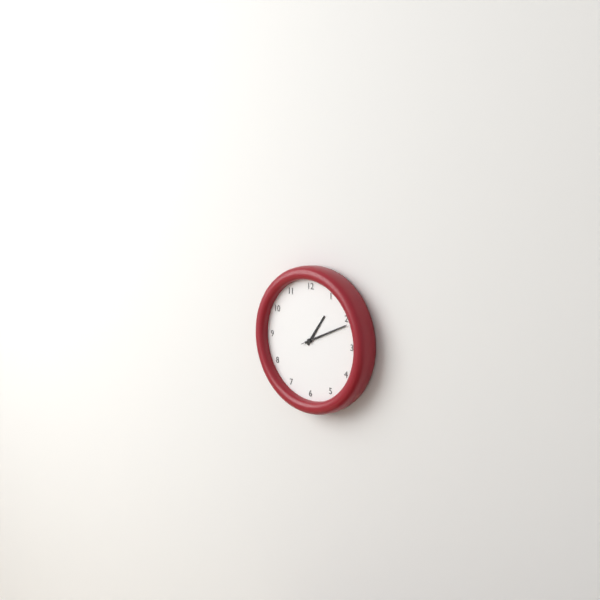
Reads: 1.11.11
